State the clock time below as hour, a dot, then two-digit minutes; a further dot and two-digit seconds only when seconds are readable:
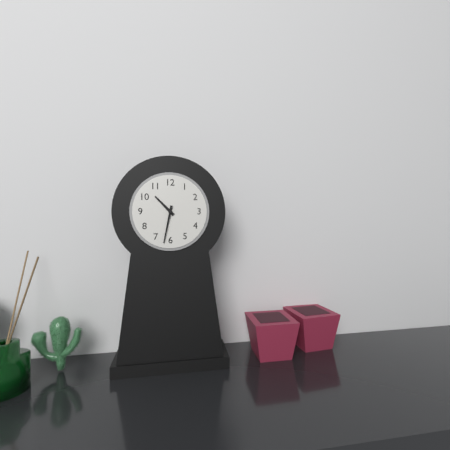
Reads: 10.32
